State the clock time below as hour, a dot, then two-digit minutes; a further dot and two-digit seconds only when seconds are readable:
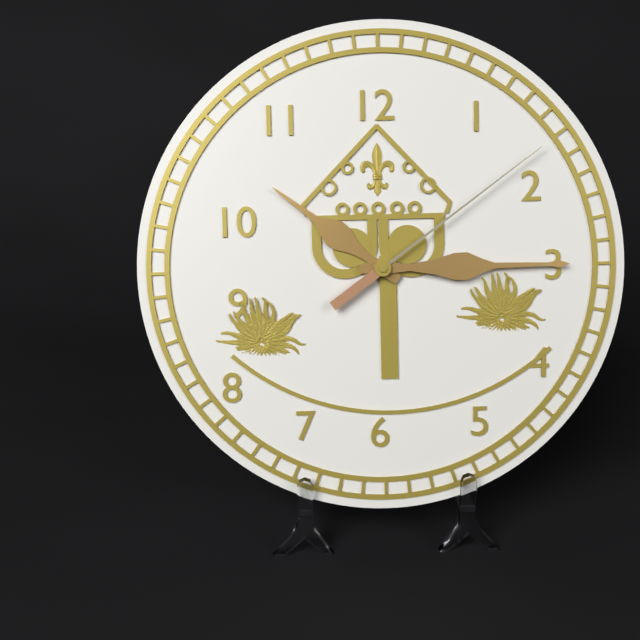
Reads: 10.15.09
